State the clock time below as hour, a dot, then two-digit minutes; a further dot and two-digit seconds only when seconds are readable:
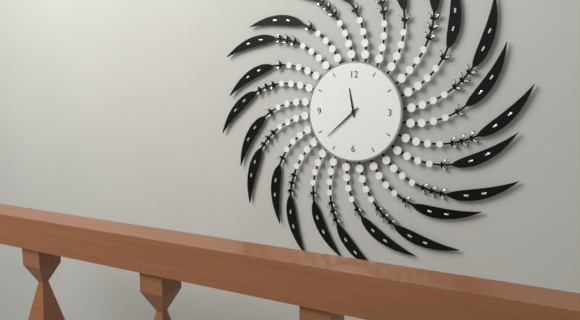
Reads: 11.38
